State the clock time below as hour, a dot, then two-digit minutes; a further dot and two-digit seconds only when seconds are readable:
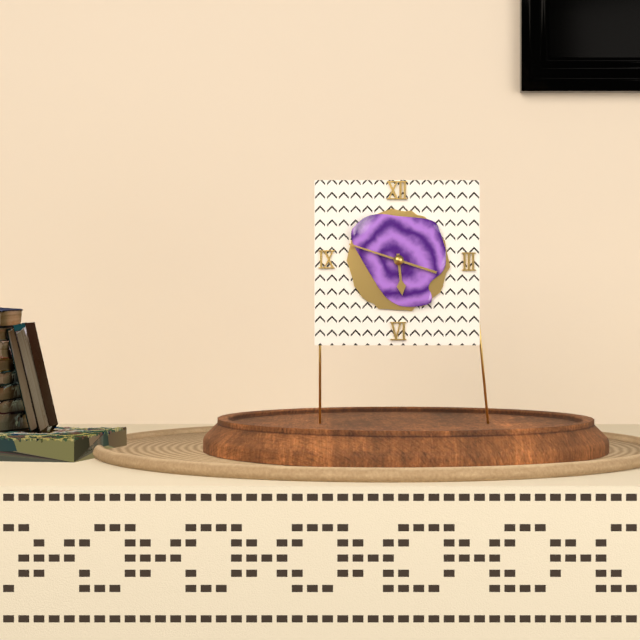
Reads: 5.48
